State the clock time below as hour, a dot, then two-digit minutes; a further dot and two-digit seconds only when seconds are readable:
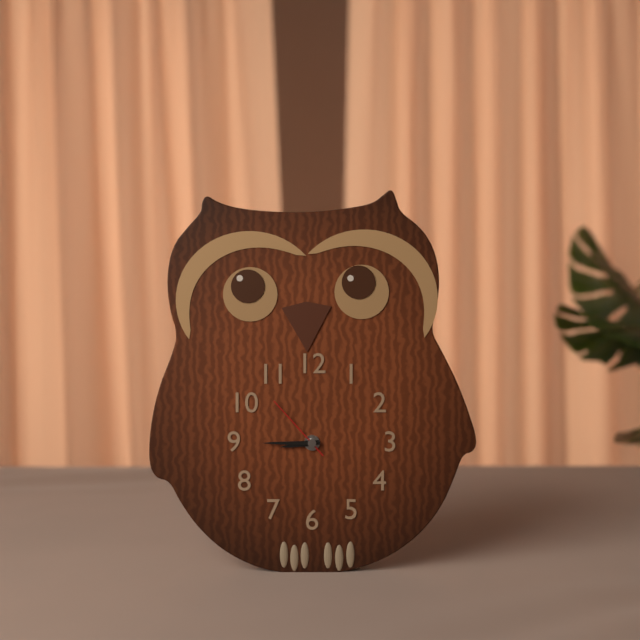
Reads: 8.45.53
